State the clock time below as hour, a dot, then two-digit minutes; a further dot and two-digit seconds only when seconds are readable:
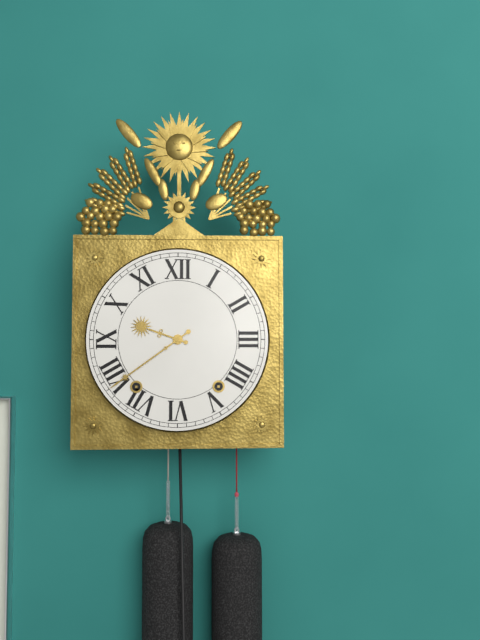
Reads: 9.39
